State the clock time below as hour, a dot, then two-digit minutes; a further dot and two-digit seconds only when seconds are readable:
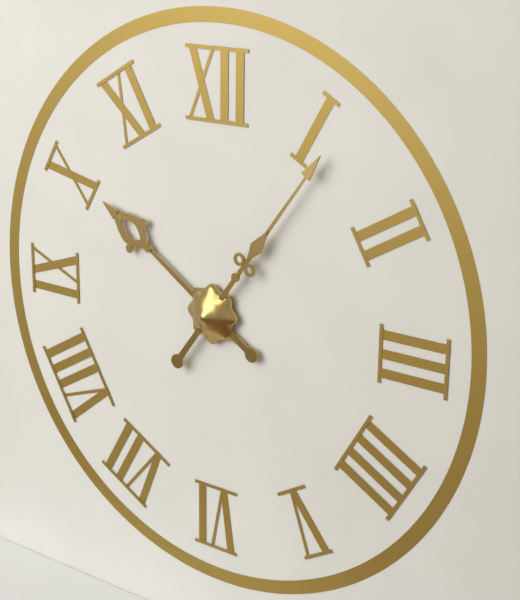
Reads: 10.06
